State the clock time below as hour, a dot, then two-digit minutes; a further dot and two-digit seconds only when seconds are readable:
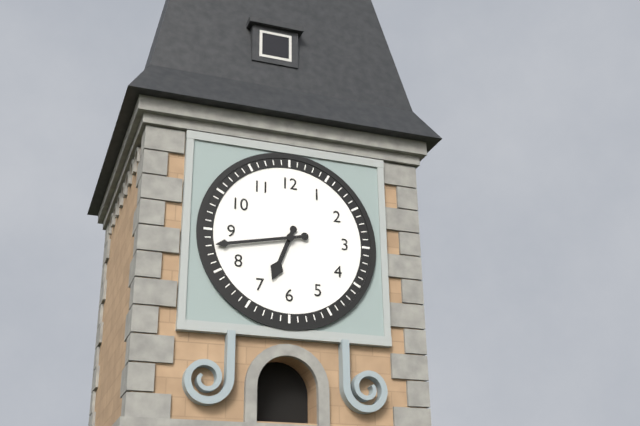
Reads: 6.43
